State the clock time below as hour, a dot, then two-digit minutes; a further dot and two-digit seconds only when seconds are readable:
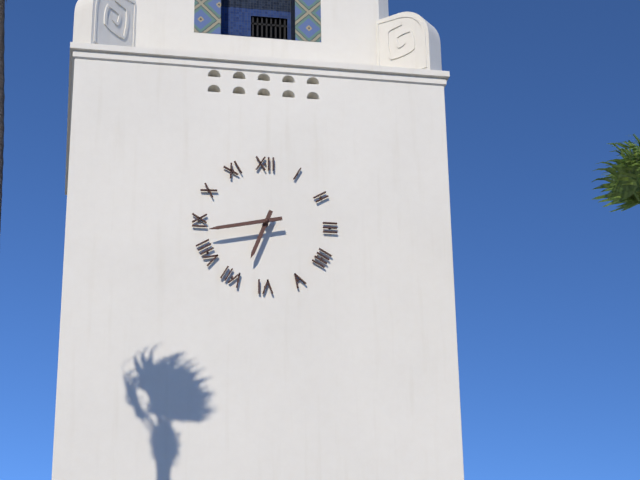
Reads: 6.43
